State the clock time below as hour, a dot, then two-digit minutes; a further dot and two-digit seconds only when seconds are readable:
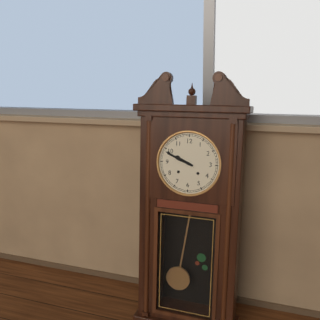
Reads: 9.49
